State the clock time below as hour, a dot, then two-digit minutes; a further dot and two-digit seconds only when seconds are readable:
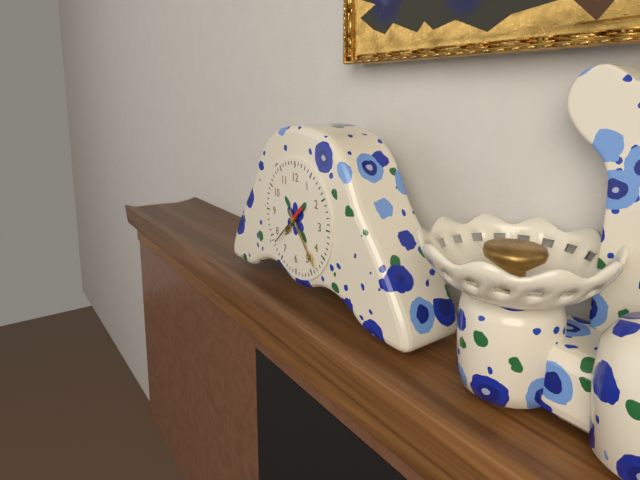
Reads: 7.23.38
